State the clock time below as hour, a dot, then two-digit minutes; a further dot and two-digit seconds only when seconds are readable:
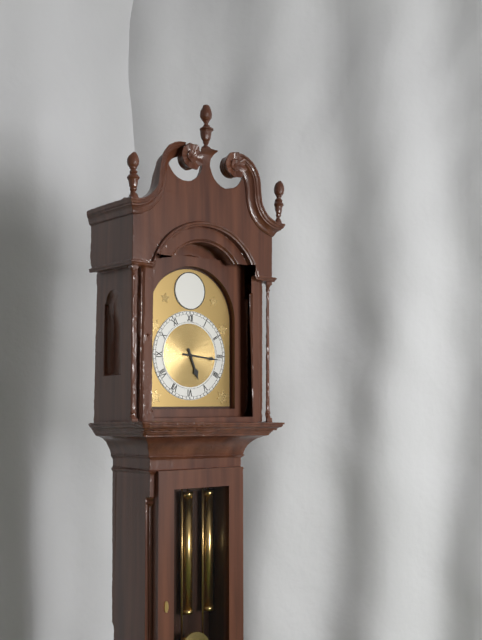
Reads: 5.16
